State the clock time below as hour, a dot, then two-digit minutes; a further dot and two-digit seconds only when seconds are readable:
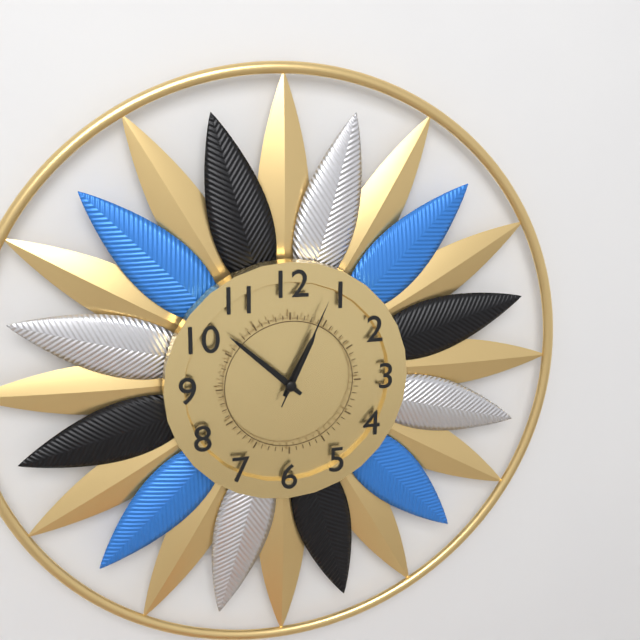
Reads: 12.52.04
